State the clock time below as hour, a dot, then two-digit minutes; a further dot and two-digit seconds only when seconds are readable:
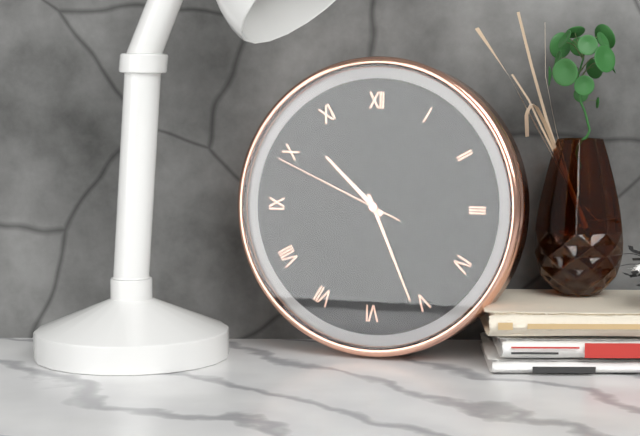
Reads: 10.26.49
